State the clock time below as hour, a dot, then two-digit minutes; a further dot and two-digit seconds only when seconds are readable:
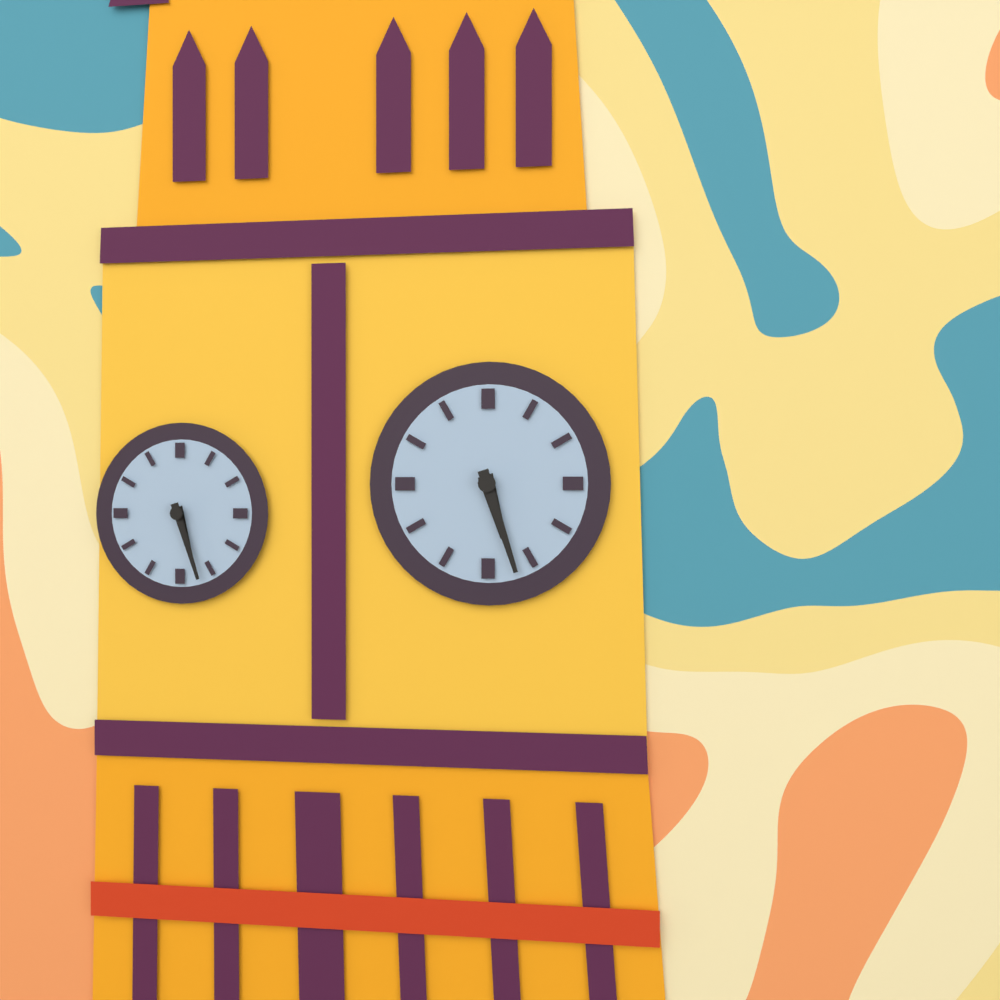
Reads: 5.27
